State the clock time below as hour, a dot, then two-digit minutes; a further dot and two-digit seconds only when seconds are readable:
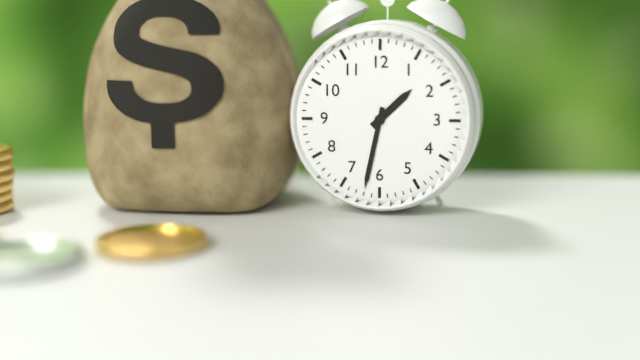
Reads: 1.32
